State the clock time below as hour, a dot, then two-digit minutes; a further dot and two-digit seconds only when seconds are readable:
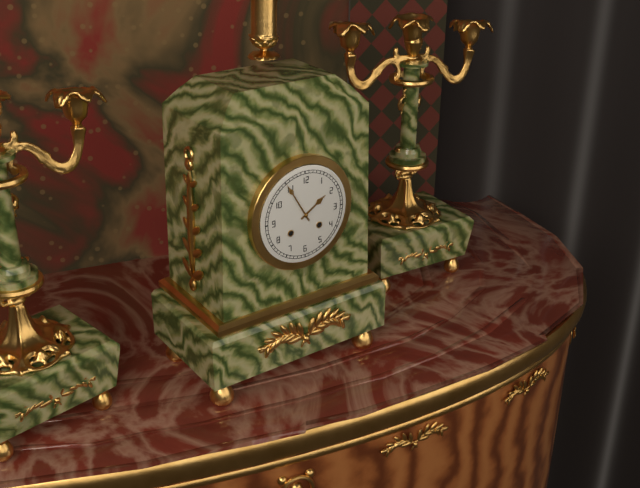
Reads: 1.55
